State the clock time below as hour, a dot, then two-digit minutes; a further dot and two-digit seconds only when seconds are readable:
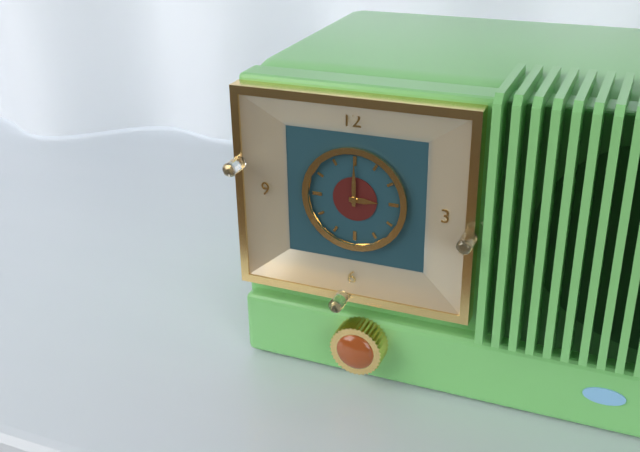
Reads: 3.00
